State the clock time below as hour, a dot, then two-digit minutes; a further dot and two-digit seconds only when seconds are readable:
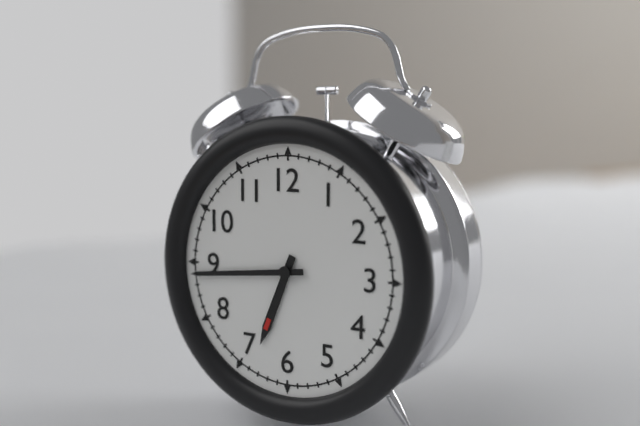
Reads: 6.44
